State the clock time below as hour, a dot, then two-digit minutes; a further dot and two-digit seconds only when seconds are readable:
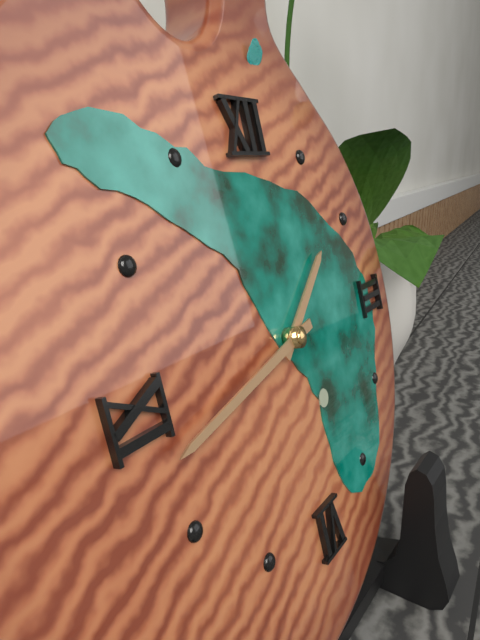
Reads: 1.43
